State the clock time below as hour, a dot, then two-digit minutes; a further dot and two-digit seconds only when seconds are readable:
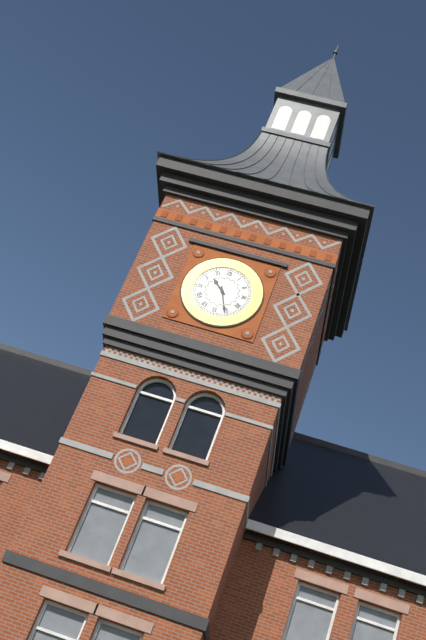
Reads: 10.26
